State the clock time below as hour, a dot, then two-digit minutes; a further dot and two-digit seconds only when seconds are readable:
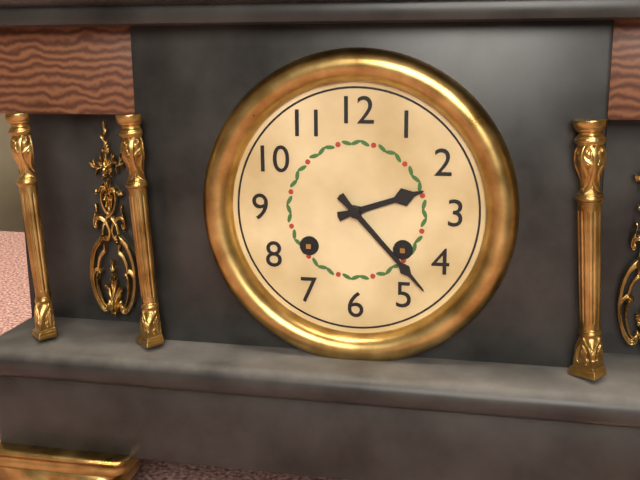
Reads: 2.23
